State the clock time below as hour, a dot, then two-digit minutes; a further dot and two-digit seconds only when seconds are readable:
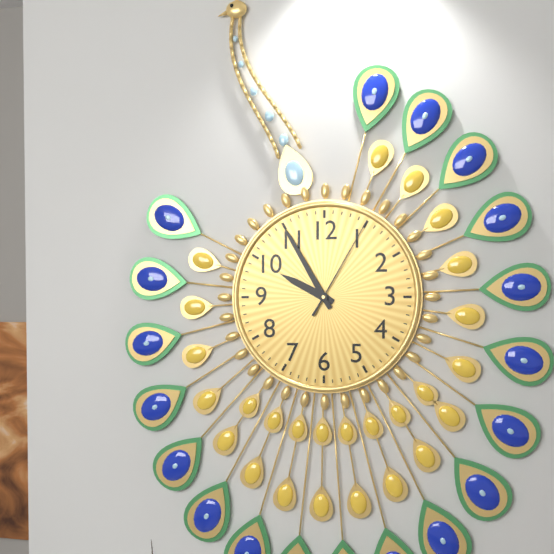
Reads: 9.55.05
